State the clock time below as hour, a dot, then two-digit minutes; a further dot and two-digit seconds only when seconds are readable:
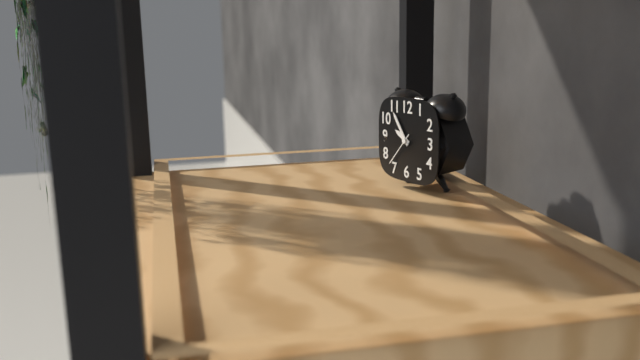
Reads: 9.54
